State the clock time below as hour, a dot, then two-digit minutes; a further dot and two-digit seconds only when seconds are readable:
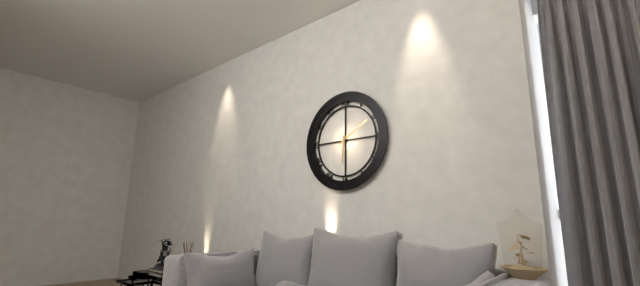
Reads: 6.10
